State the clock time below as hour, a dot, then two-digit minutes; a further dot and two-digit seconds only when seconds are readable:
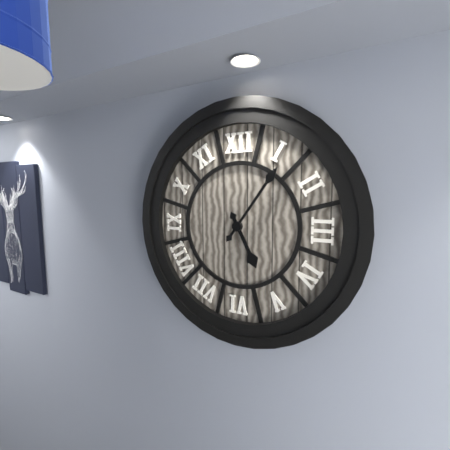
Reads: 5.06
